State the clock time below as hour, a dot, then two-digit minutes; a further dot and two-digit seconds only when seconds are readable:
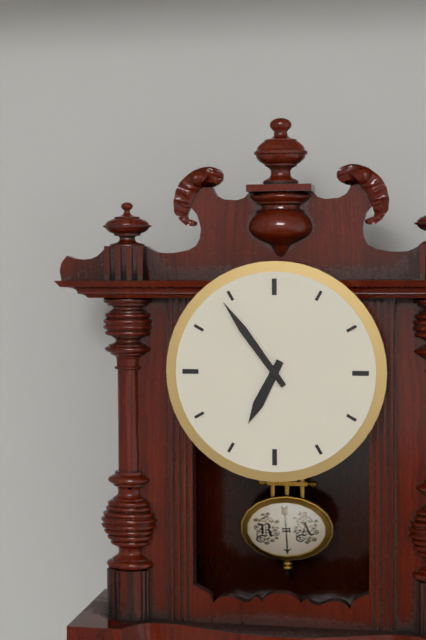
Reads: 6.54
